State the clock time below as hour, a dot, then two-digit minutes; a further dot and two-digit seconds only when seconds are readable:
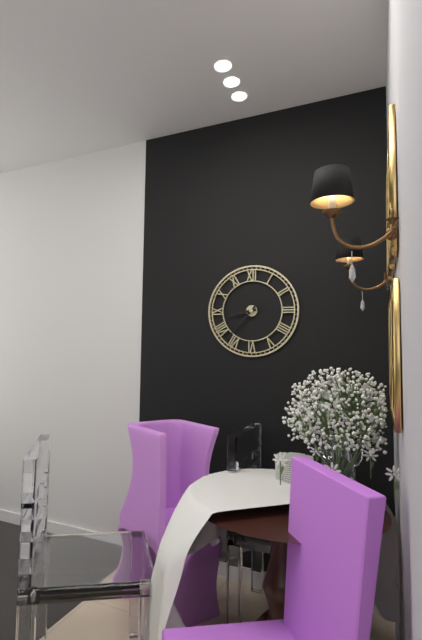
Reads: 8.37
